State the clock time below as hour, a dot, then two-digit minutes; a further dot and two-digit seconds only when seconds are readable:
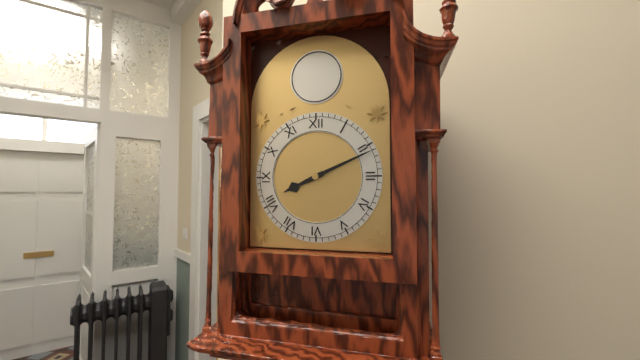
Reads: 8.11
